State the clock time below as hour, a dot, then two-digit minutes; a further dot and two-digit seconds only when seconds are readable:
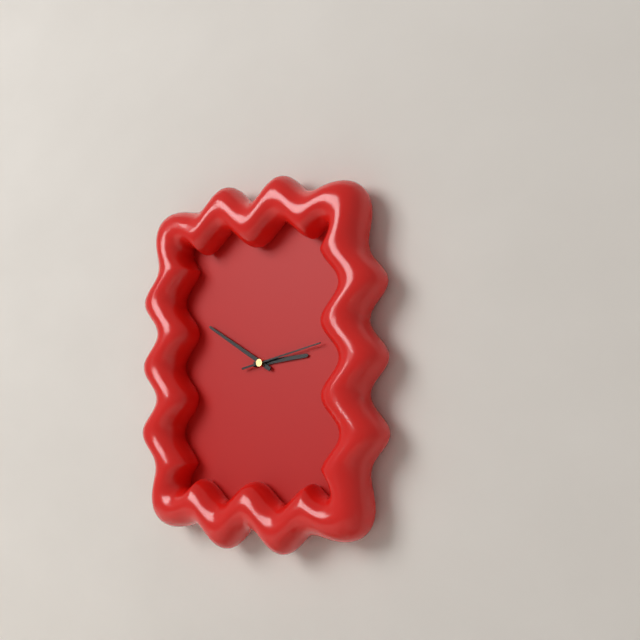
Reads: 2.50.13
